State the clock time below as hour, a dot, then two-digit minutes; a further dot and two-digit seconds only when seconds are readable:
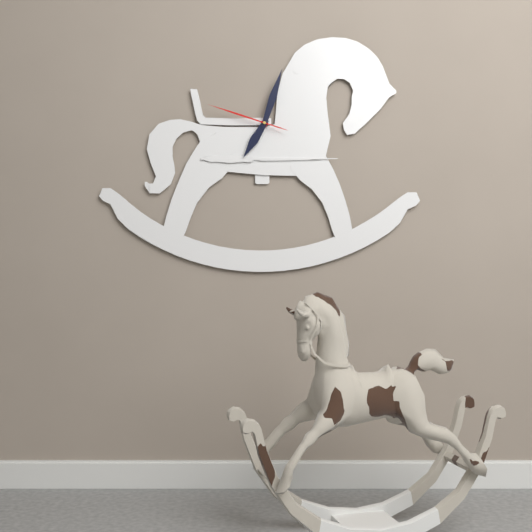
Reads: 7.03.48
